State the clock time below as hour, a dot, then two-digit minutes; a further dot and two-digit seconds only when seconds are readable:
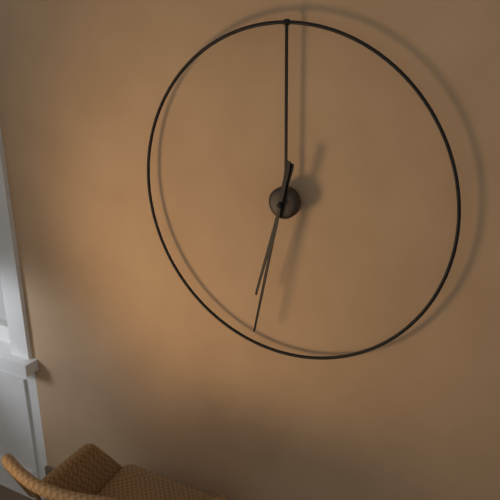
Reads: 6.32
